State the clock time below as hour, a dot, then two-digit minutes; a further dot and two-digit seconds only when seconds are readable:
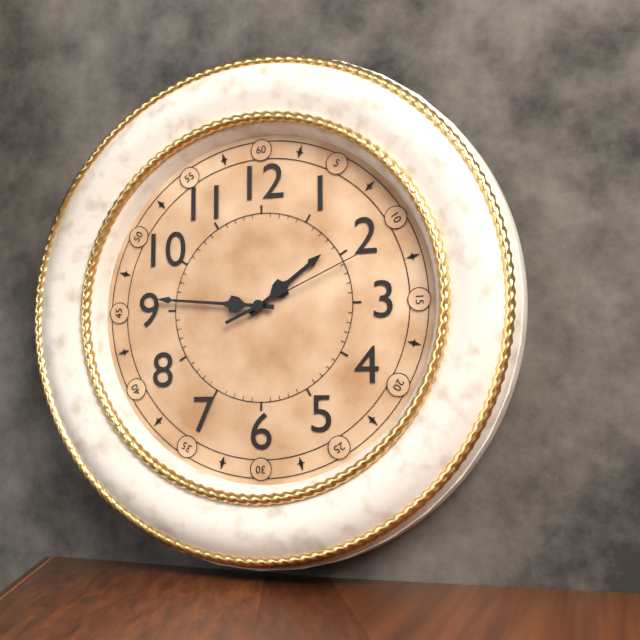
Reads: 1.46.11
